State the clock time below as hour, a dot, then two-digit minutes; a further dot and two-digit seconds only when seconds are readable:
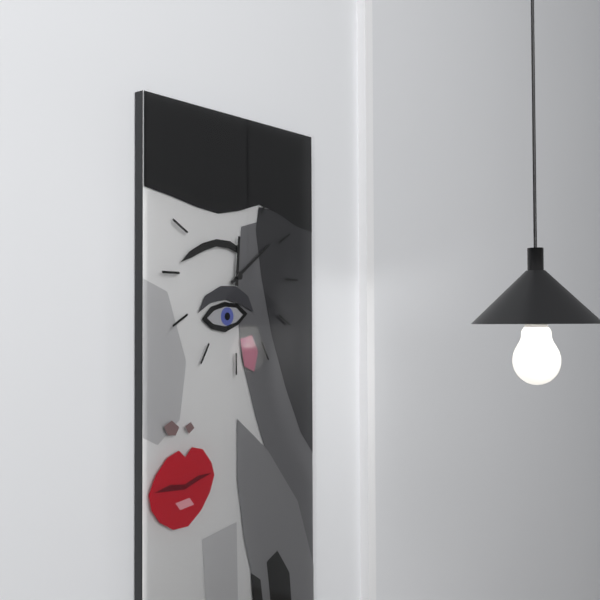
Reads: 12.09
